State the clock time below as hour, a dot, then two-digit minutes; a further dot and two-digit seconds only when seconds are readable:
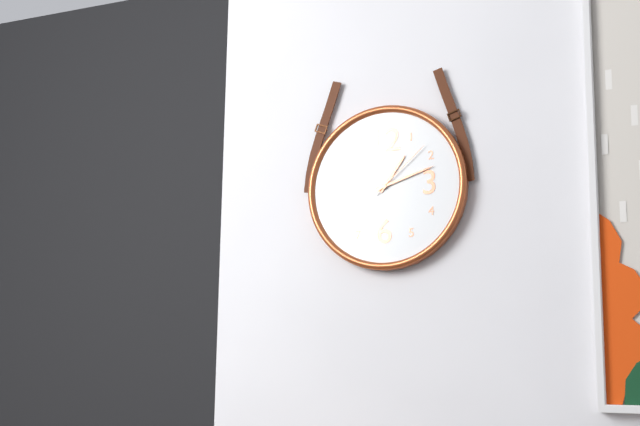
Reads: 1.12.08
